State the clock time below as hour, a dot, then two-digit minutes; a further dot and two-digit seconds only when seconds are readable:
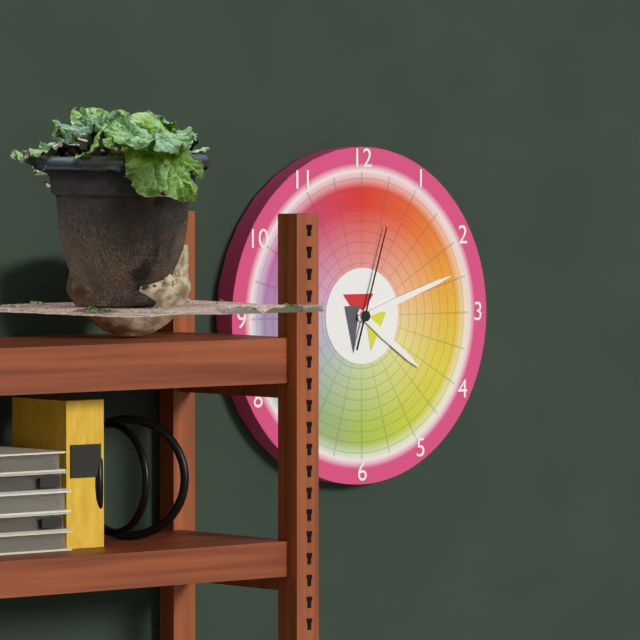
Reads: 4.12.03
